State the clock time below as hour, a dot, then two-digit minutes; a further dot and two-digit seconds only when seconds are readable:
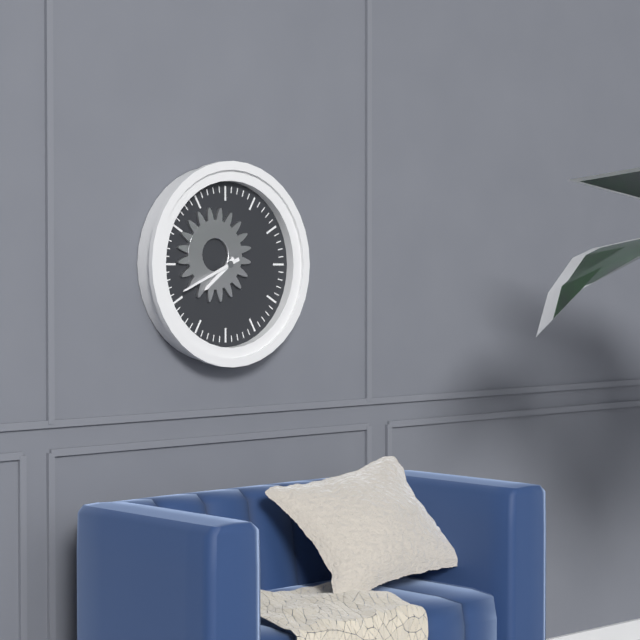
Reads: 7.41
